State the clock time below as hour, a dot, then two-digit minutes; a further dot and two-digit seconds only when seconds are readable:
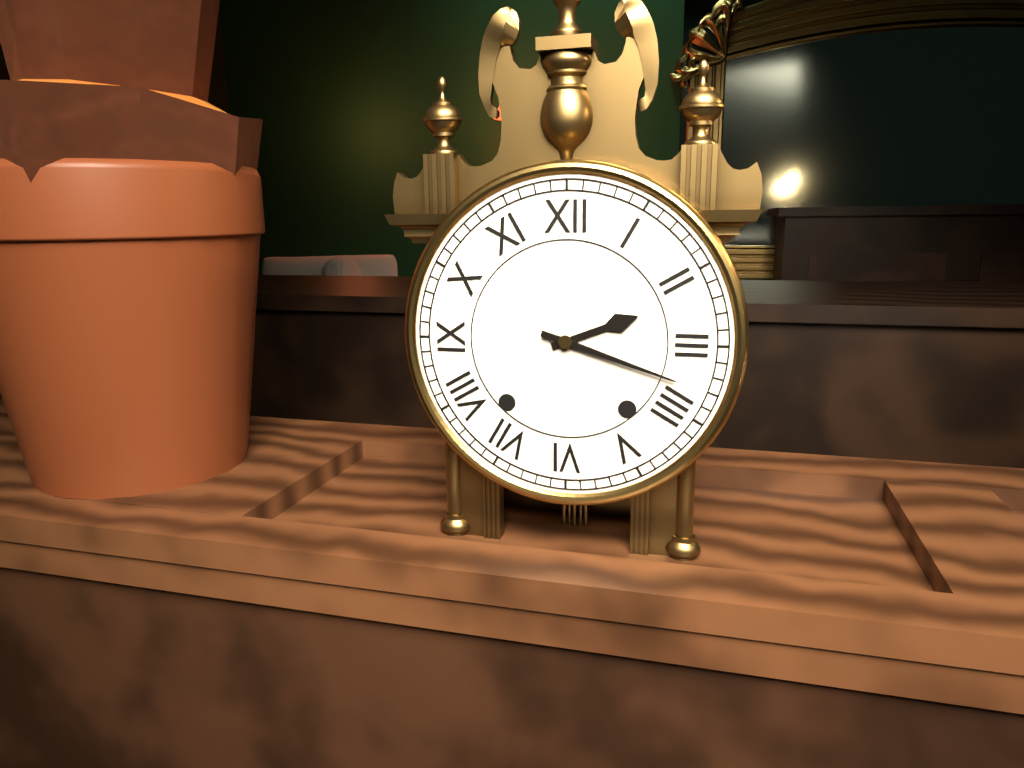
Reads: 2.18
